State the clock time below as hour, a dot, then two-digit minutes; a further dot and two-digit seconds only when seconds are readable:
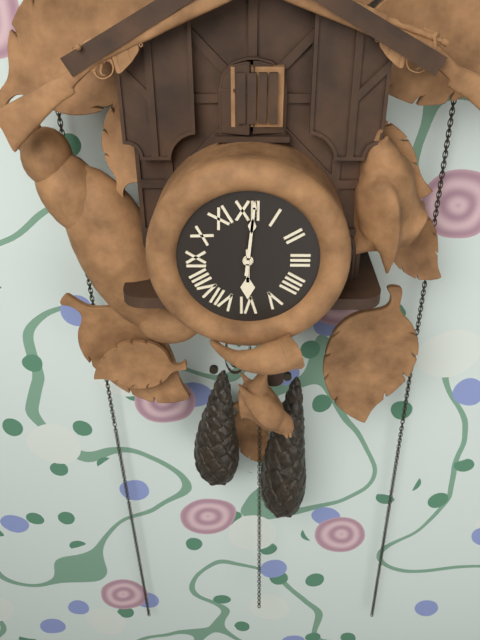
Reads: 6.01
